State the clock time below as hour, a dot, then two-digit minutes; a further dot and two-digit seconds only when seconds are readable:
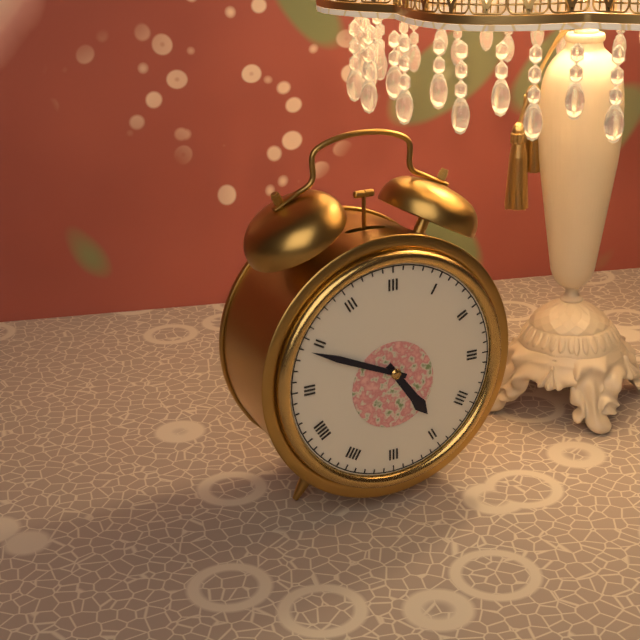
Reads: 4.49
